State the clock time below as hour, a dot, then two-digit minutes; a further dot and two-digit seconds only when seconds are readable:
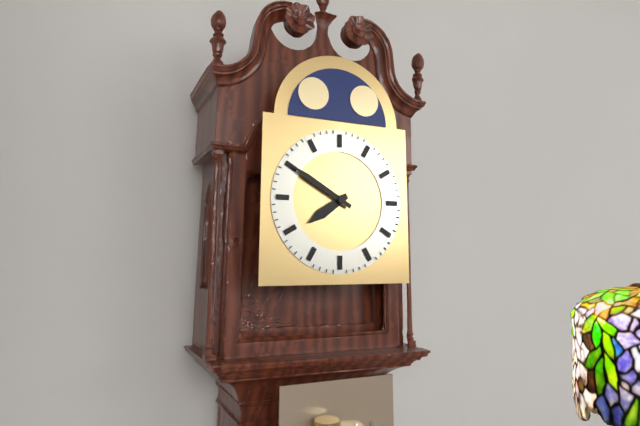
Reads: 7.50
